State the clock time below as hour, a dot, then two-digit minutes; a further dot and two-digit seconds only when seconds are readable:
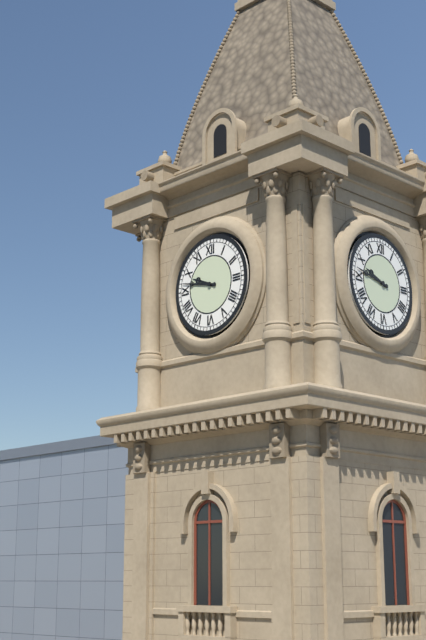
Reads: 9.47
